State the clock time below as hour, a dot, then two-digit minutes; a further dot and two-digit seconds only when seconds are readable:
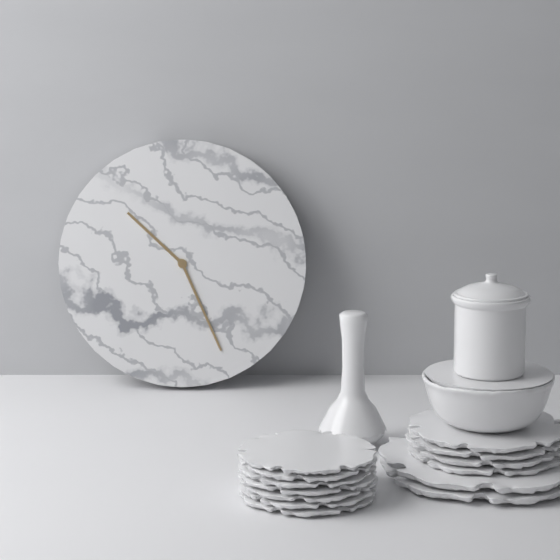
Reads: 10.26
